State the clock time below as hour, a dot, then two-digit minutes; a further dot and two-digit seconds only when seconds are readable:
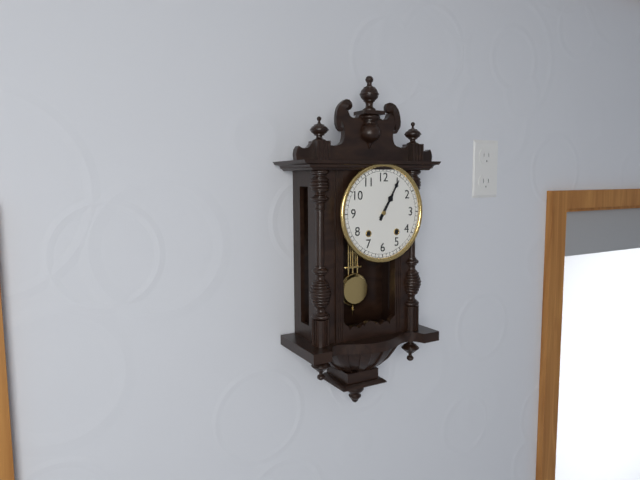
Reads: 1.05
